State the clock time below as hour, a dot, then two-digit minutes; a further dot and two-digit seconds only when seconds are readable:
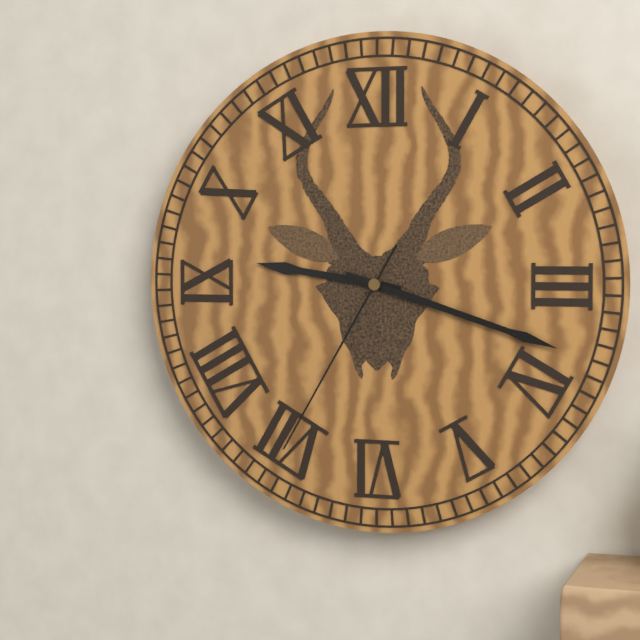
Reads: 9.18.35
